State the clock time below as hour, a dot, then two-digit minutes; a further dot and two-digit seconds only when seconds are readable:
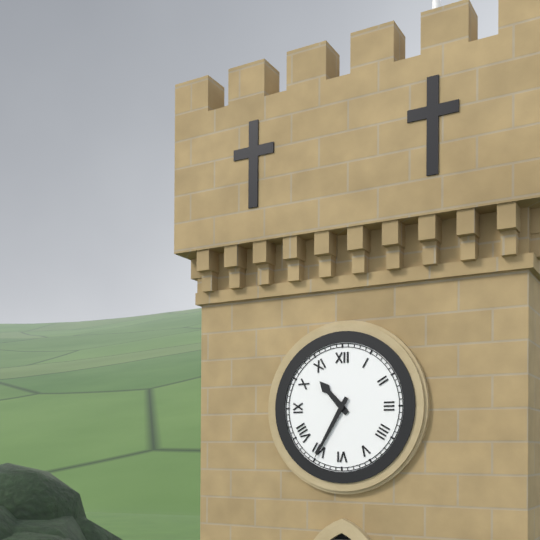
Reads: 10.35
